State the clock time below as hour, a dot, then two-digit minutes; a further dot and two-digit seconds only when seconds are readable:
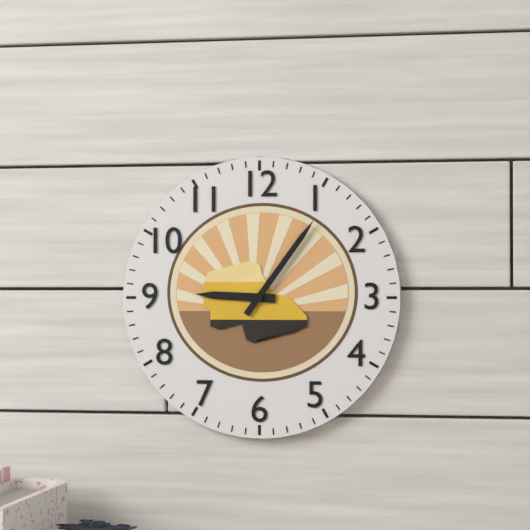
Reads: 9.06
